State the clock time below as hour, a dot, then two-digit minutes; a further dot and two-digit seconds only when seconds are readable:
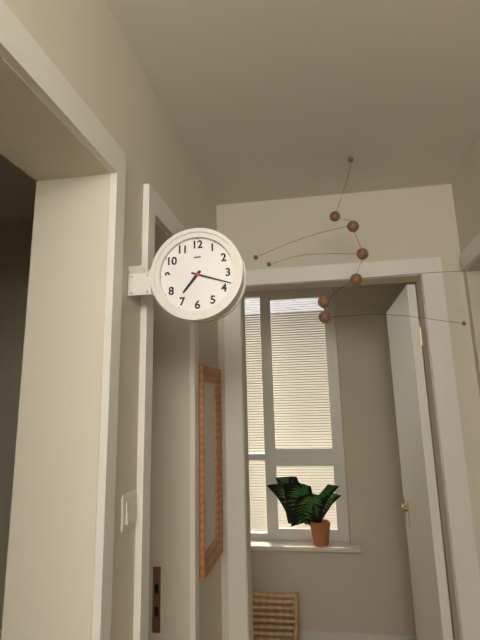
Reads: 7.18
